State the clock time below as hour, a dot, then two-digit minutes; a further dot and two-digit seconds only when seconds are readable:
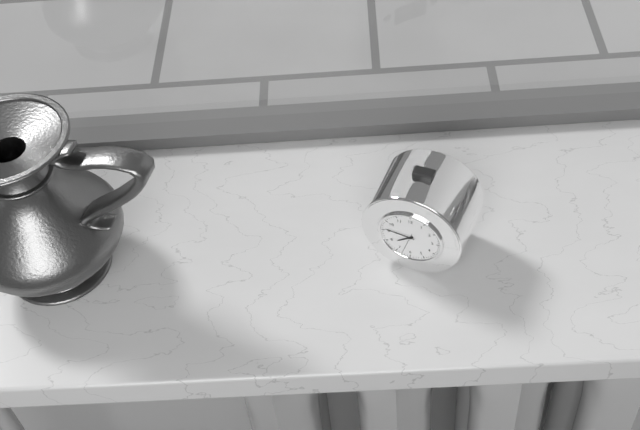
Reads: 7.46
